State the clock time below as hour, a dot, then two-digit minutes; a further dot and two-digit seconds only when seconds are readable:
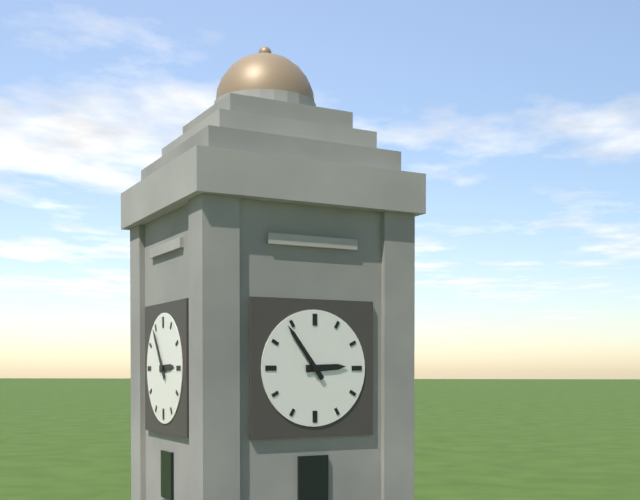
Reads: 2.54
